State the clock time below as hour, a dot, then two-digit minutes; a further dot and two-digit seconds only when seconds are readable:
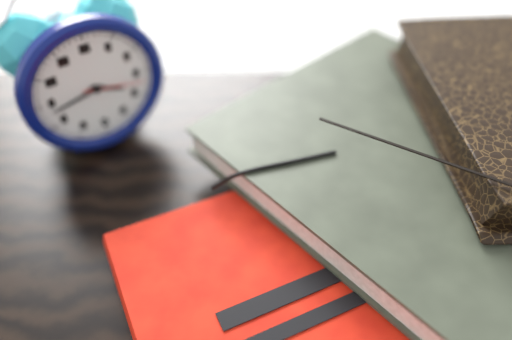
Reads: 3.43.17
